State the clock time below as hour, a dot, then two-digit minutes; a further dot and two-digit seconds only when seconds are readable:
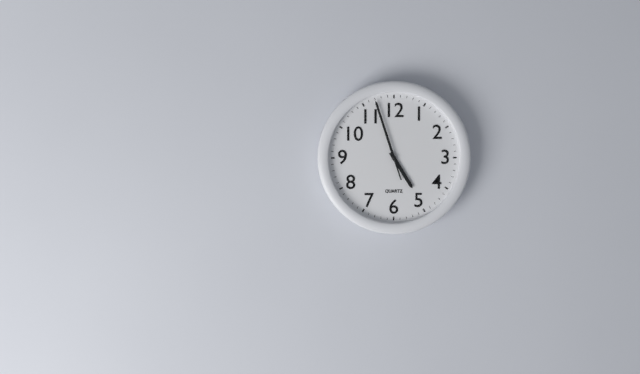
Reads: 4.57
